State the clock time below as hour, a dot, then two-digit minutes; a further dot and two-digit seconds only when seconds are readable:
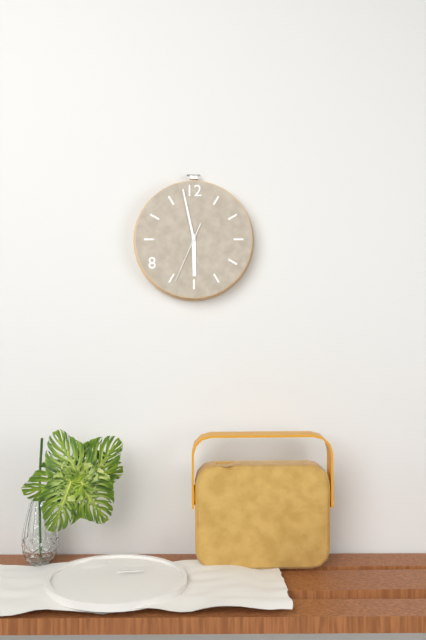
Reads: 5.58.34
